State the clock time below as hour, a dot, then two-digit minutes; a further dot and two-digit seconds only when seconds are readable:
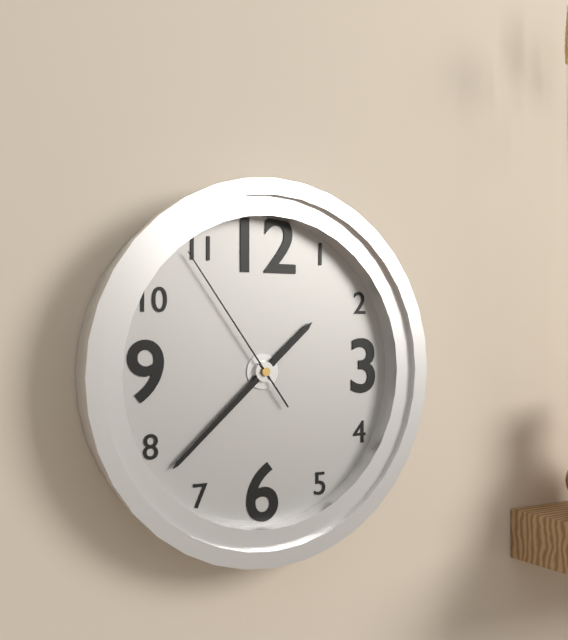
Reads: 1.38.54
